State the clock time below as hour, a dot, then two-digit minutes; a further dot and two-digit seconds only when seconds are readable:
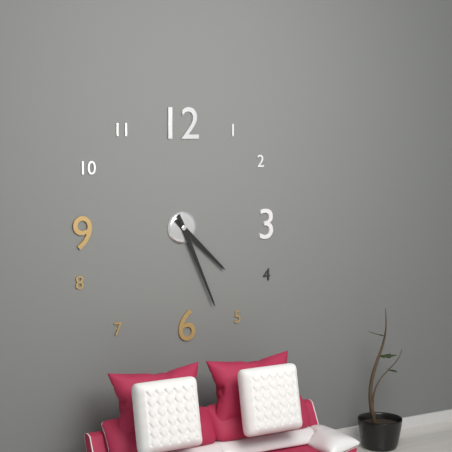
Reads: 4.26
